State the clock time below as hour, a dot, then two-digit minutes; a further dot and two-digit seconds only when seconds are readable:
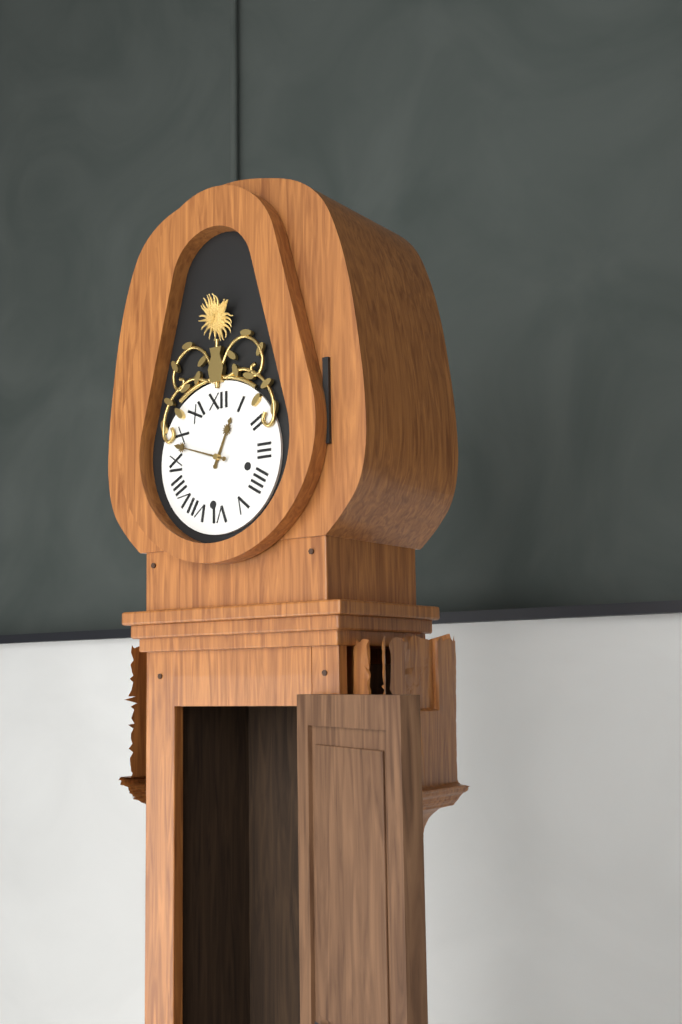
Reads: 12.48
